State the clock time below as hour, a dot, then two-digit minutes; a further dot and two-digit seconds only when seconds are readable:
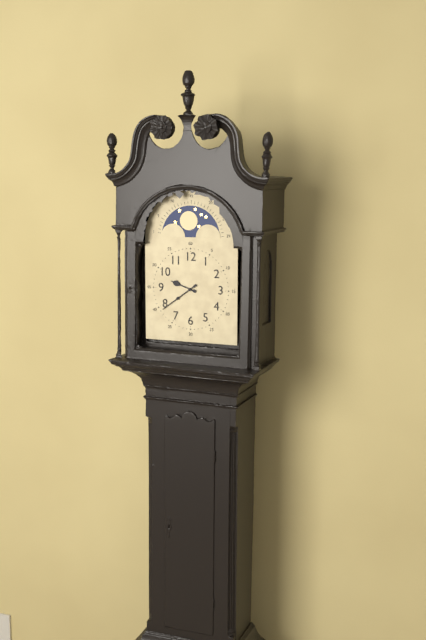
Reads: 9.39
